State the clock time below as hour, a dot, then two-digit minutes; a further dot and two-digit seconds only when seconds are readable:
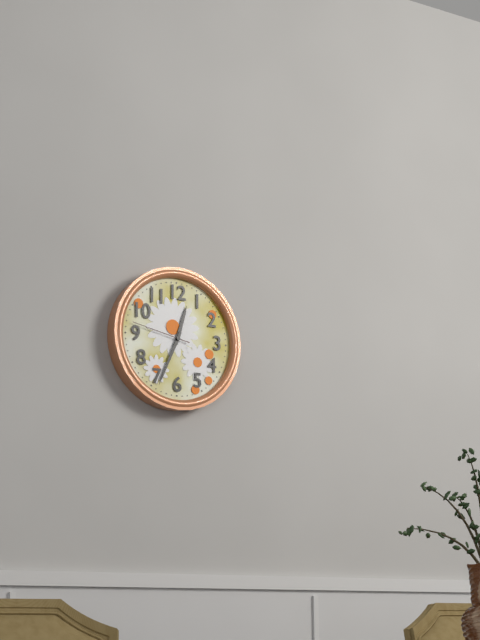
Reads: 12.34.47
